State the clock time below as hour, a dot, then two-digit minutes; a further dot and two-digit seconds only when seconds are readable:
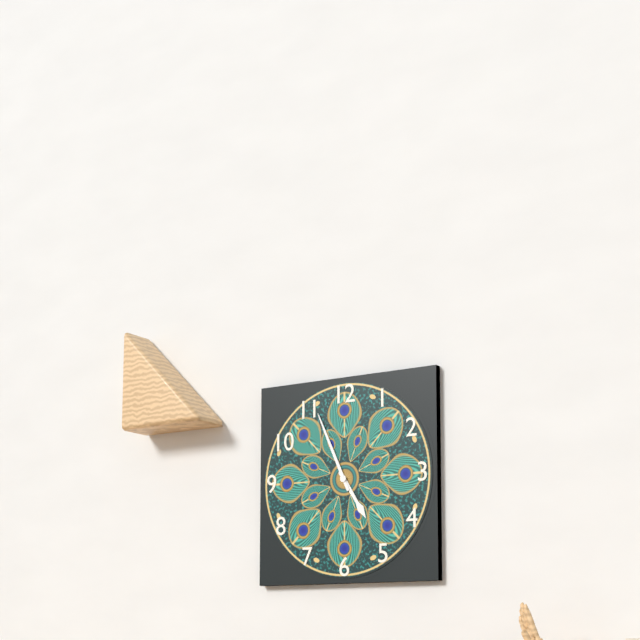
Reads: 4.56
